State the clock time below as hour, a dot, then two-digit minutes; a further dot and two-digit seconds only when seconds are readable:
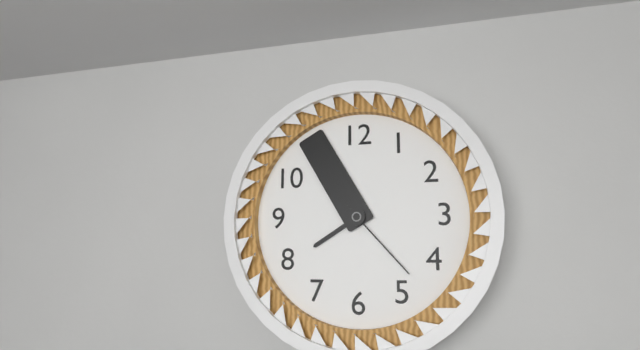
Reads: 7.55.23
